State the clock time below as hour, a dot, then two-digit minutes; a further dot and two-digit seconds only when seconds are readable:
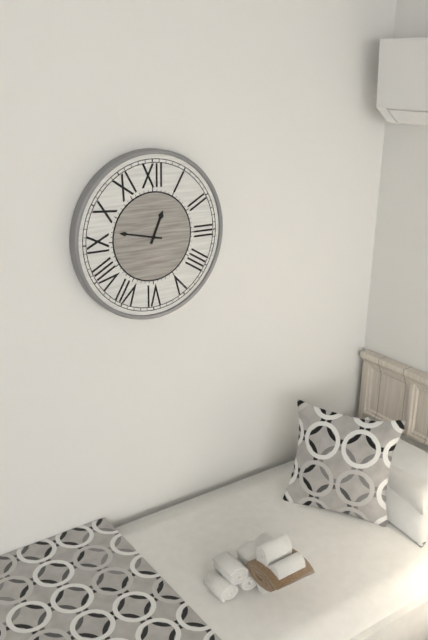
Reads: 12.47
